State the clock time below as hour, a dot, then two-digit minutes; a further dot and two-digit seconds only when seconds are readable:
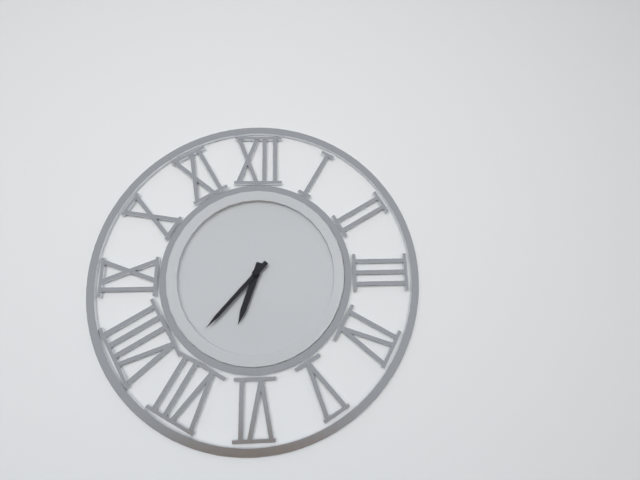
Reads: 6.37
